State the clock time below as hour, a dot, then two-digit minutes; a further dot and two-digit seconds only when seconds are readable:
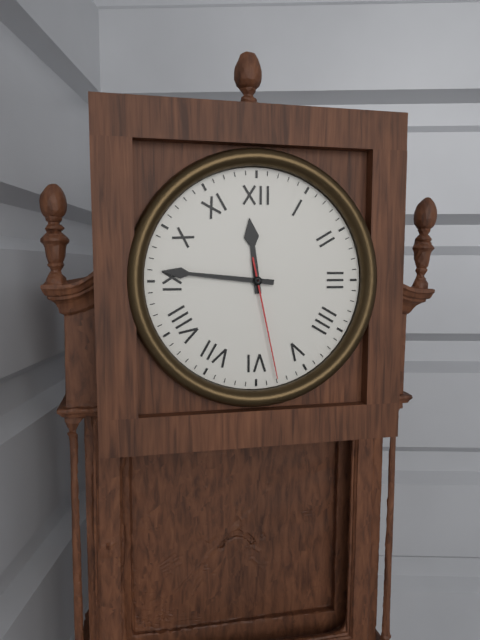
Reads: 11.46.28
